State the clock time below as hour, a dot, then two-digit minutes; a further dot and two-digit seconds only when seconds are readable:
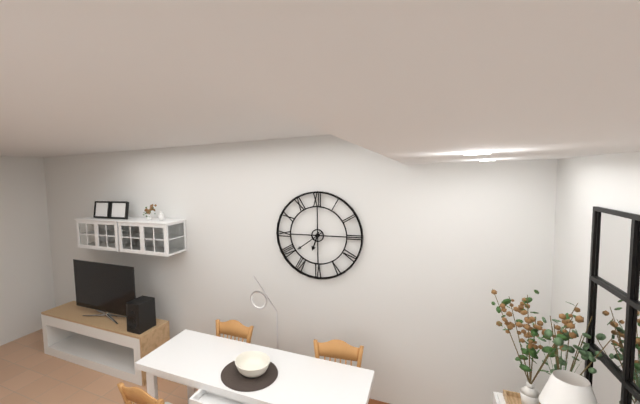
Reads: 6.39
